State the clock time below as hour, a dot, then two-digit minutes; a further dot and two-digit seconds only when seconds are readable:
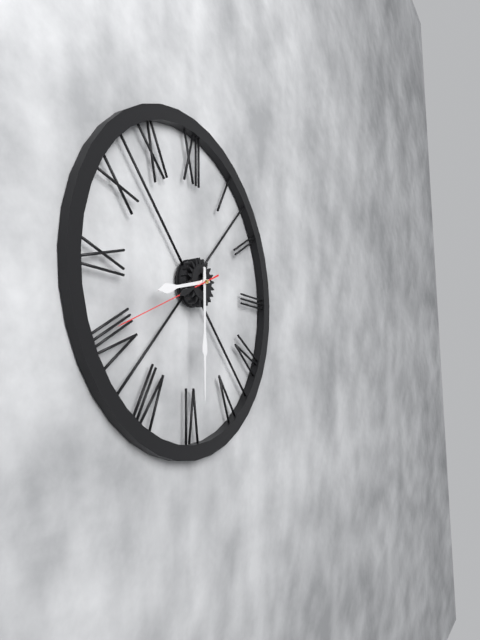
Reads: 8.30.41
